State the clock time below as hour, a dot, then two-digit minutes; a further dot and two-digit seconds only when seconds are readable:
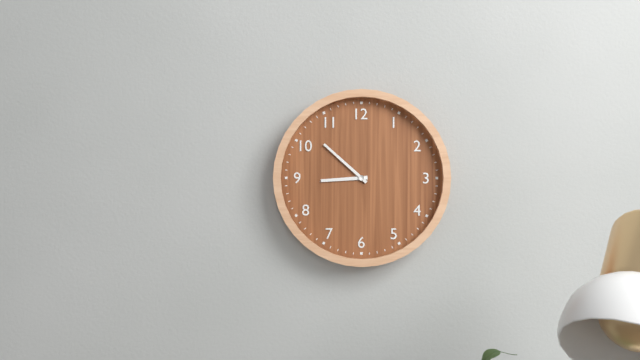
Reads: 8.52
